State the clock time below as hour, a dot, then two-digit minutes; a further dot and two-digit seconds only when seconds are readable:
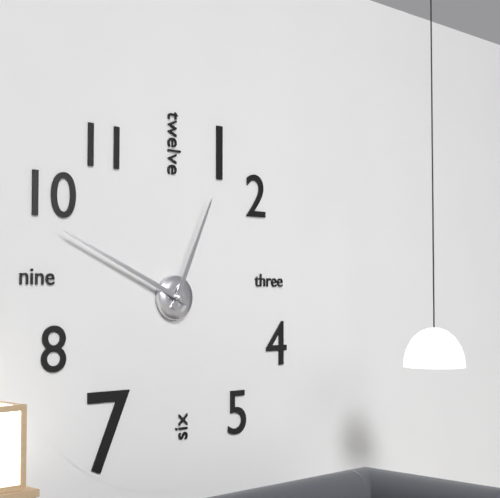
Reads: 12.49
